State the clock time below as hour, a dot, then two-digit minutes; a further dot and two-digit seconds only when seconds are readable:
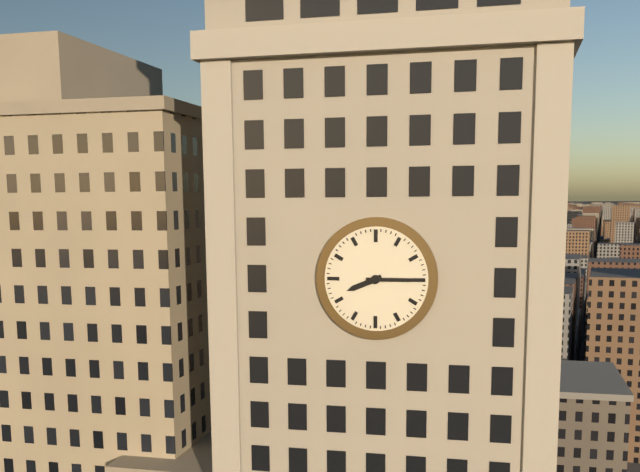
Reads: 8.15
